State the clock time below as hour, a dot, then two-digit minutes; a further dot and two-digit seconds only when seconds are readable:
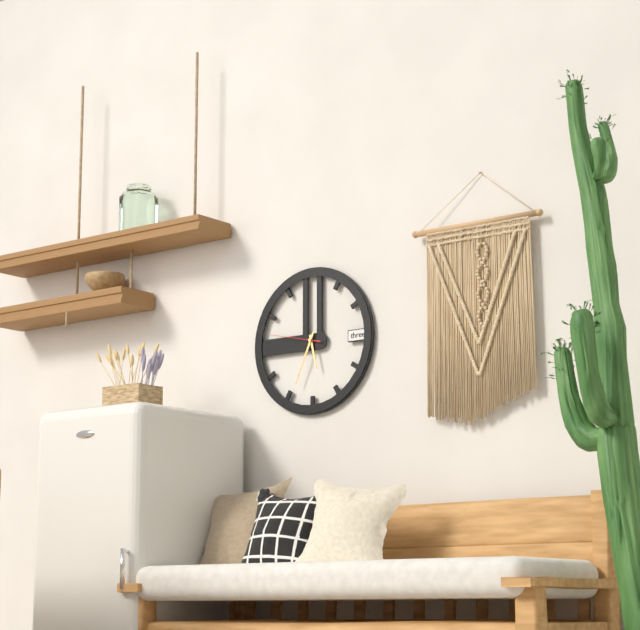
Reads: 5.34.47
